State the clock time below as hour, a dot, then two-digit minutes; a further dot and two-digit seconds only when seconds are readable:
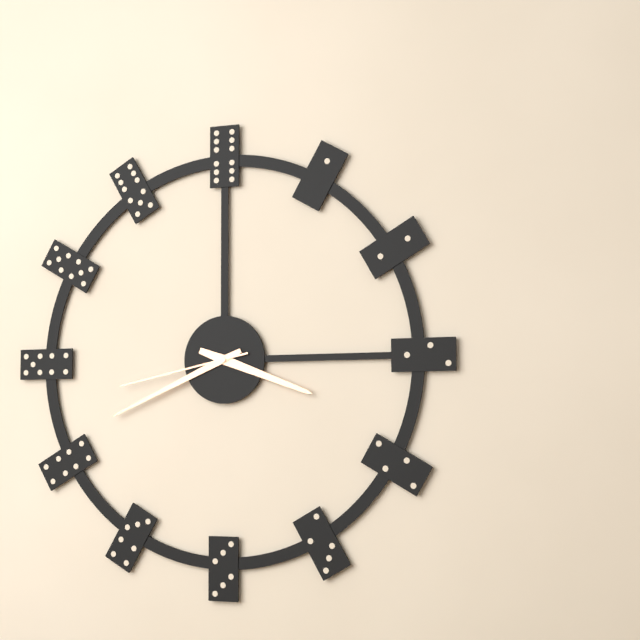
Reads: 3.41.43
